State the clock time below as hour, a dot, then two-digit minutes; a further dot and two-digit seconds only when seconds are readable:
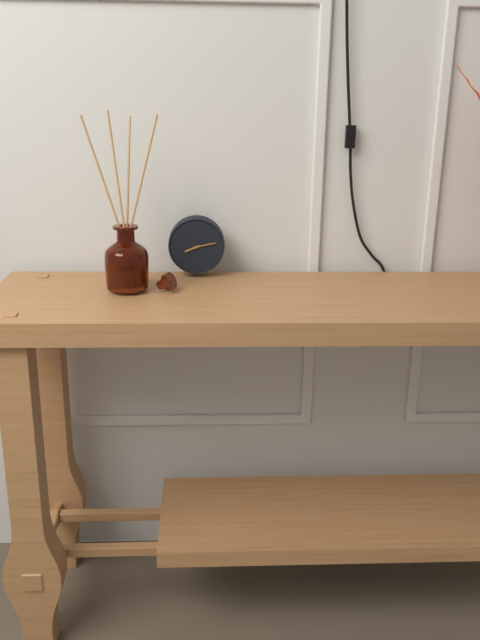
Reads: 8.13
